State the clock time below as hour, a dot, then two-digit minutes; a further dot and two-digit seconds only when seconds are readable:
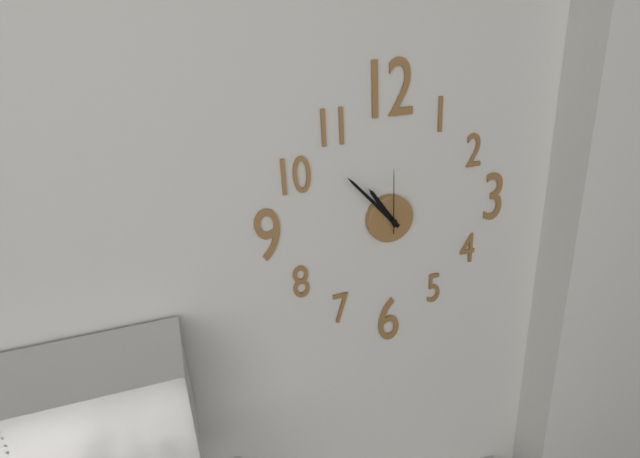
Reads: 10.53.00
